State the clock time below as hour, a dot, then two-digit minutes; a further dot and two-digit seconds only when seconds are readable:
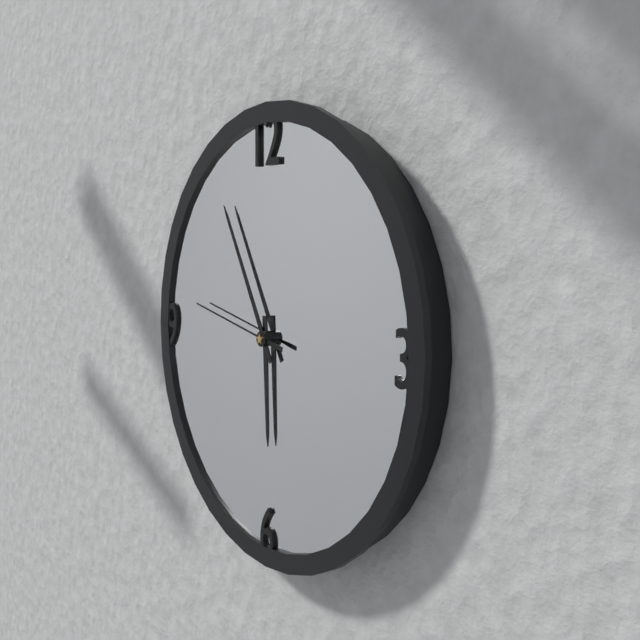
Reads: 5.55.47
